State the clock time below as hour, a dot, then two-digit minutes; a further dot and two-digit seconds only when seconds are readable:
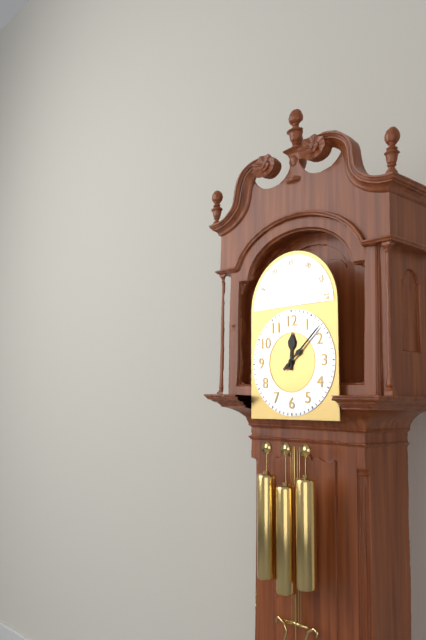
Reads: 12.08
